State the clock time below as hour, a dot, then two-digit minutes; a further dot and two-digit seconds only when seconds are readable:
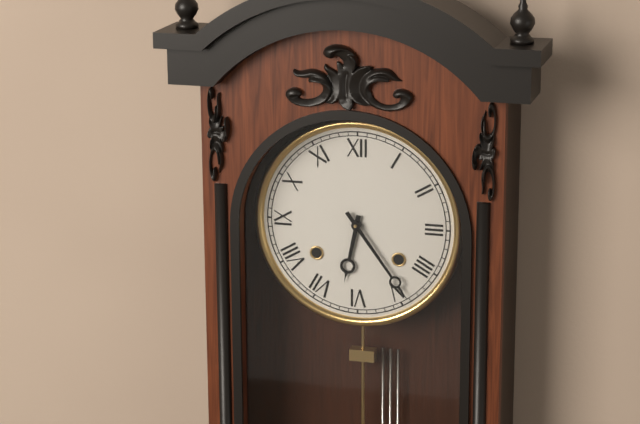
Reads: 6.24
